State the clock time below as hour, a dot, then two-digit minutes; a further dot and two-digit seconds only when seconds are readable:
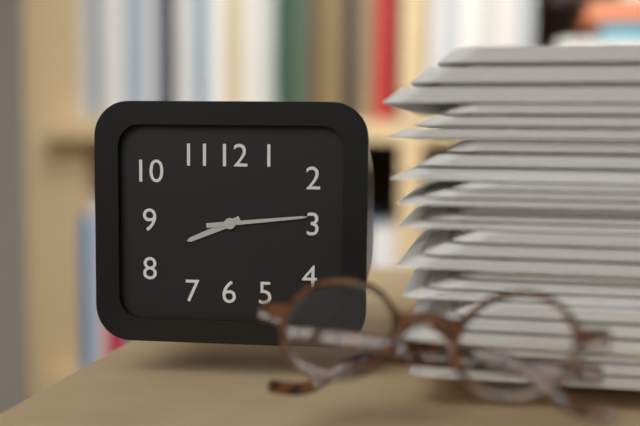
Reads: 8.14
